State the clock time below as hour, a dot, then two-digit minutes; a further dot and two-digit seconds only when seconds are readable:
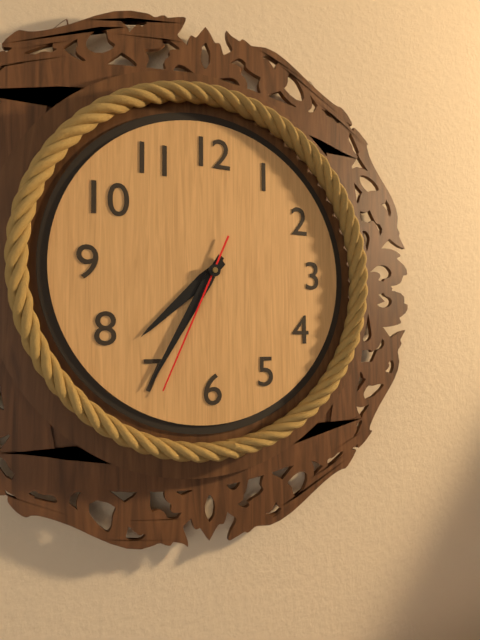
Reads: 7.35.34
